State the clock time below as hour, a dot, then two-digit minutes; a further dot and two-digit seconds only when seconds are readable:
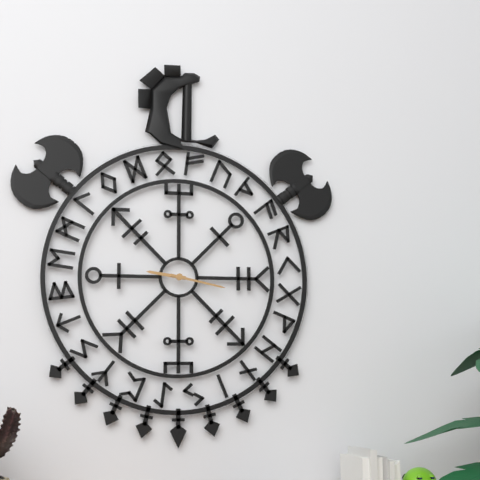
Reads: 9.17
